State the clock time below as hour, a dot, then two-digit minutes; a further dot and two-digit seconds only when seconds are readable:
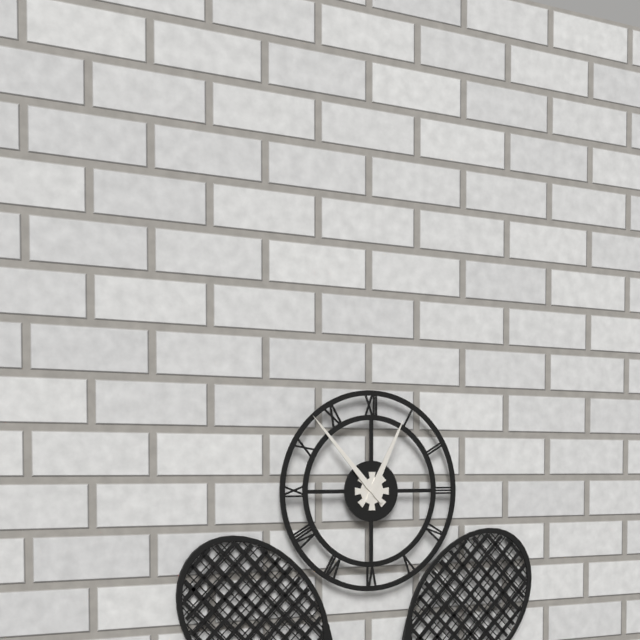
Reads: 12.53
